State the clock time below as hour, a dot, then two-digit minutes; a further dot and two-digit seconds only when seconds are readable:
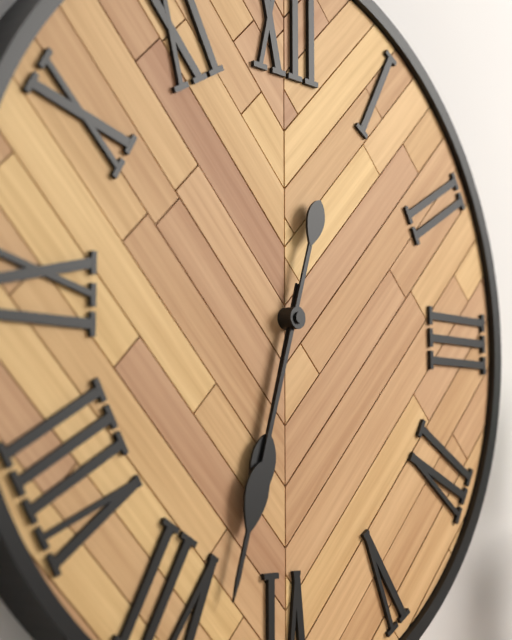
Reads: 6.33
